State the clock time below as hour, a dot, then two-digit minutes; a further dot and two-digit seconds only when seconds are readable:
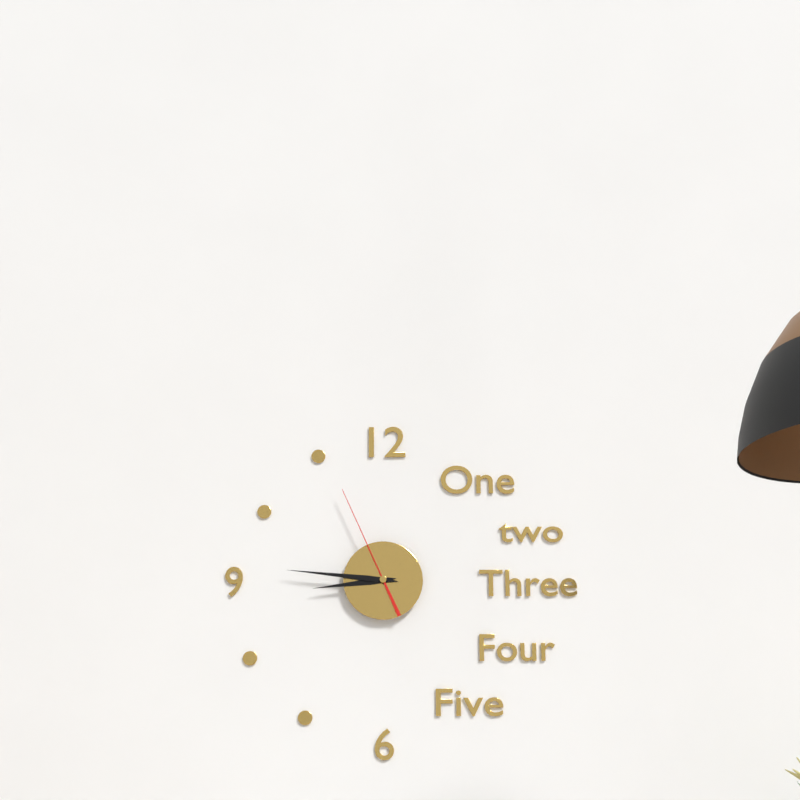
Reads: 8.46.56
